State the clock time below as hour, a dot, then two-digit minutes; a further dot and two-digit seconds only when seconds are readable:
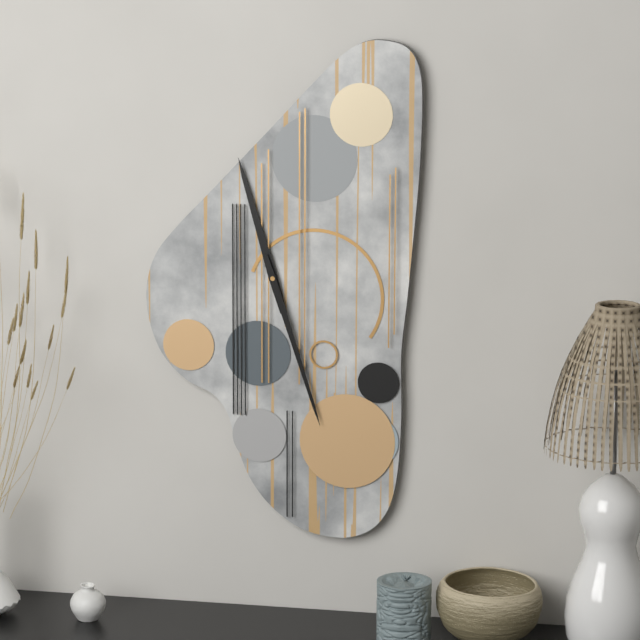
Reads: 11.27
